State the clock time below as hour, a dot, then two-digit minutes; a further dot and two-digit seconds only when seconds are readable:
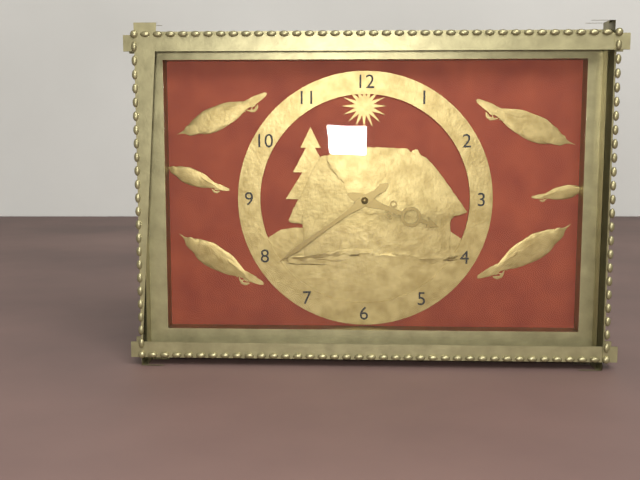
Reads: 3.39
